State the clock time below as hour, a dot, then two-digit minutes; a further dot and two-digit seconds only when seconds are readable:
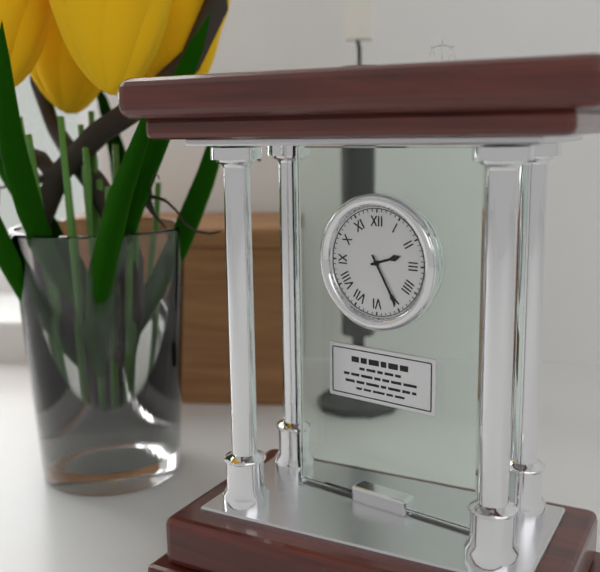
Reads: 2.25
